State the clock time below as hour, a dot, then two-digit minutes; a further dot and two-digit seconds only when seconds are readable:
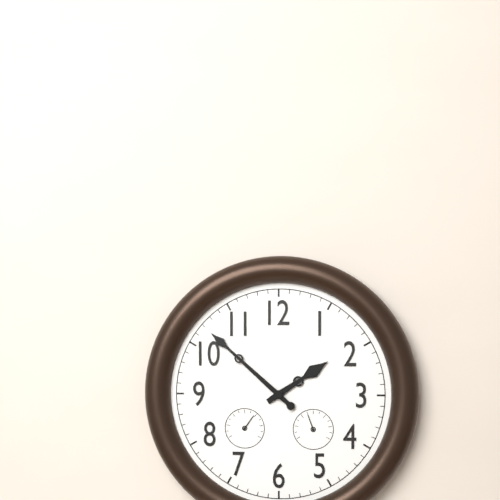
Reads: 1.52
